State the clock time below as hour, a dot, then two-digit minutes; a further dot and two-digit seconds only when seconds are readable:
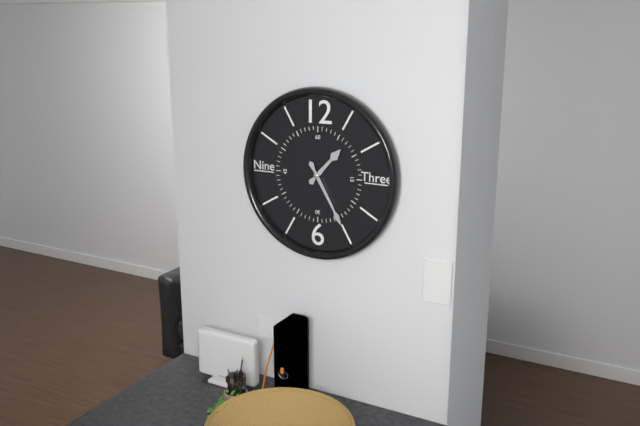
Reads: 1.25
